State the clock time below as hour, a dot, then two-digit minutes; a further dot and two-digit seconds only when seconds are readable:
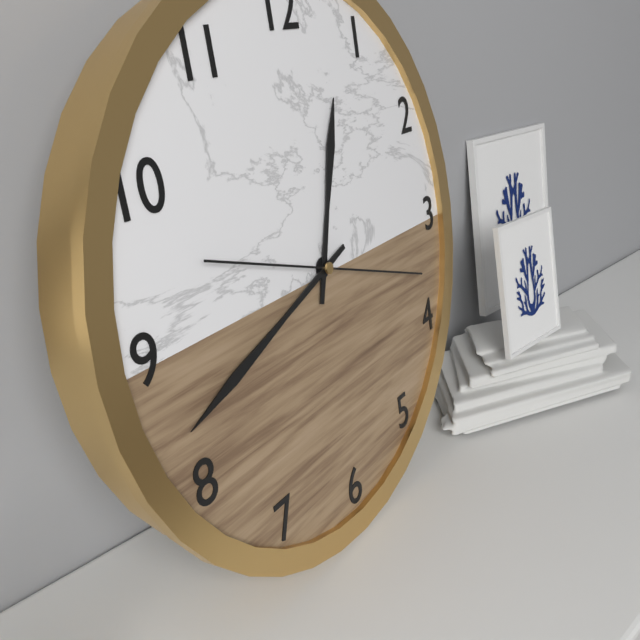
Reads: 12.42.18
